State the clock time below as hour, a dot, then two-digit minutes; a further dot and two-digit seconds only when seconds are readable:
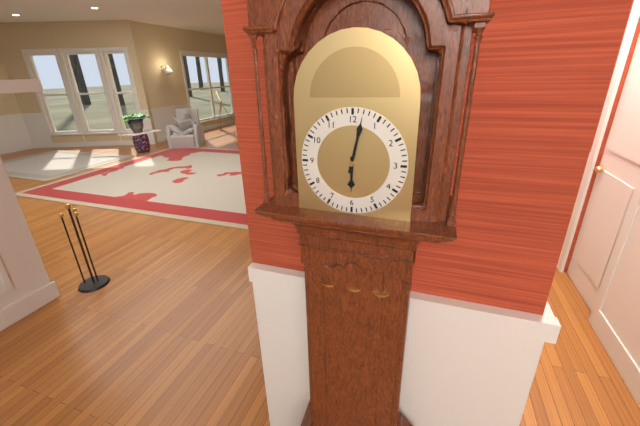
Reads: 6.02
